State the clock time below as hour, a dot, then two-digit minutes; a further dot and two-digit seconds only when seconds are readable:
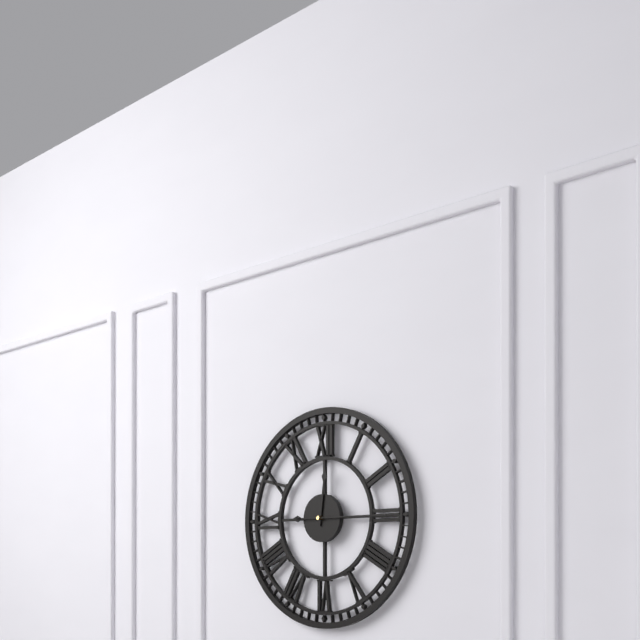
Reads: 12.15
